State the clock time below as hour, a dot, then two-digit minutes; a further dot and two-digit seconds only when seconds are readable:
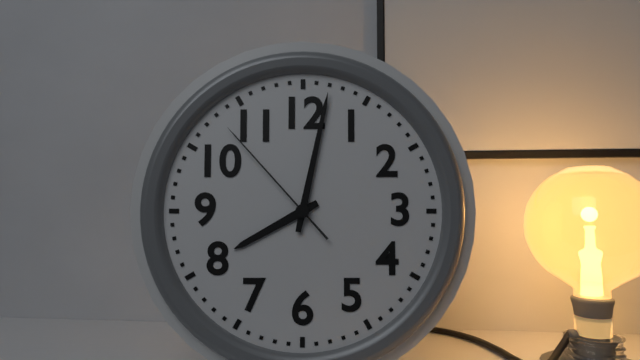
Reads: 8.02.53
